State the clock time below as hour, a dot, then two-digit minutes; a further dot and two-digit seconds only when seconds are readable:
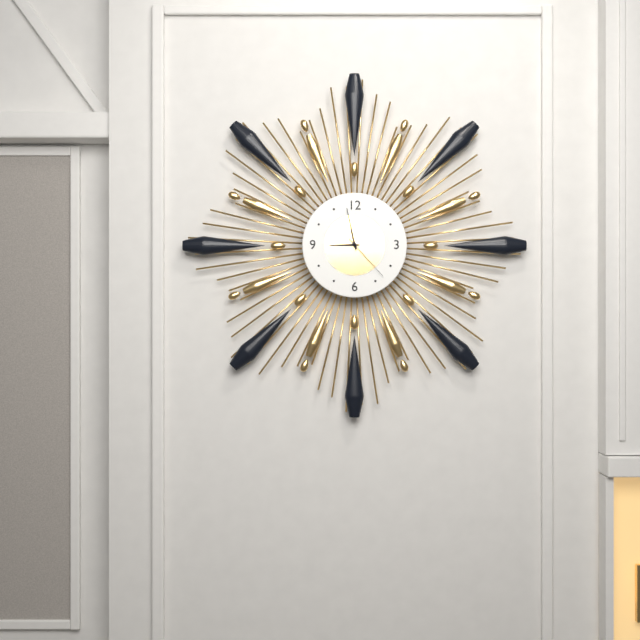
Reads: 8.58.23
